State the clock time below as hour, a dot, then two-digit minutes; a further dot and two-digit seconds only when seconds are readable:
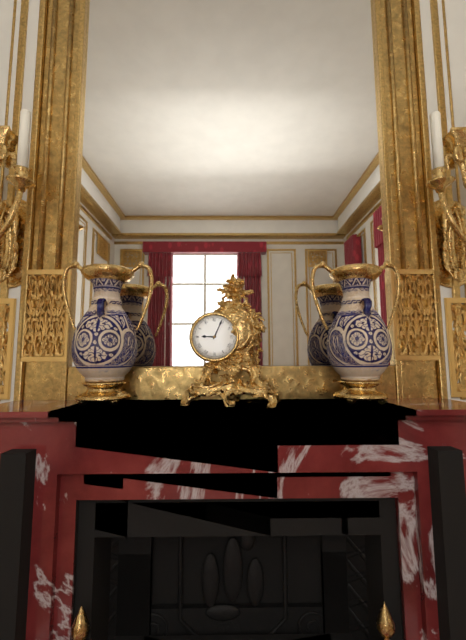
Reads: 9.04
